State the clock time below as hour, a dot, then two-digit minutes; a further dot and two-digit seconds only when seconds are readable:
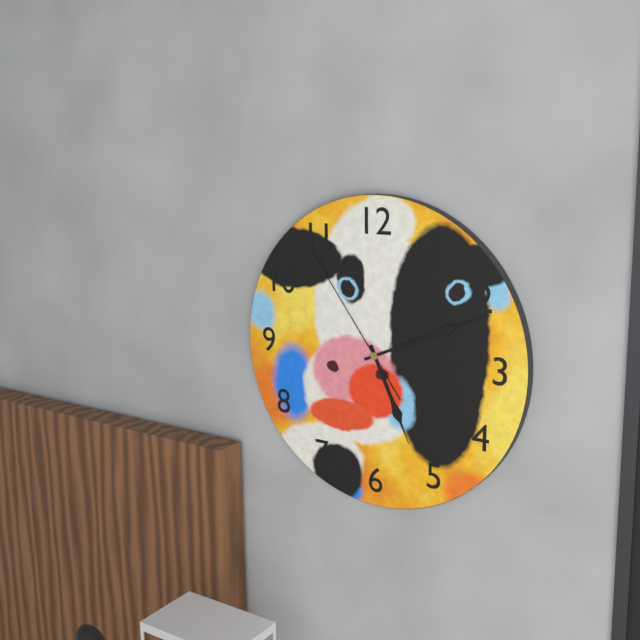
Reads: 5.11.54
